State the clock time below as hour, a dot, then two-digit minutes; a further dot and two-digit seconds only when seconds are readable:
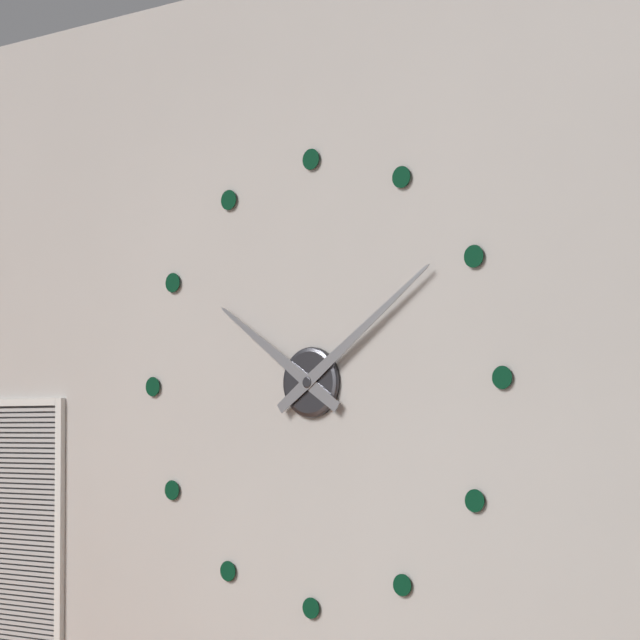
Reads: 10.09
